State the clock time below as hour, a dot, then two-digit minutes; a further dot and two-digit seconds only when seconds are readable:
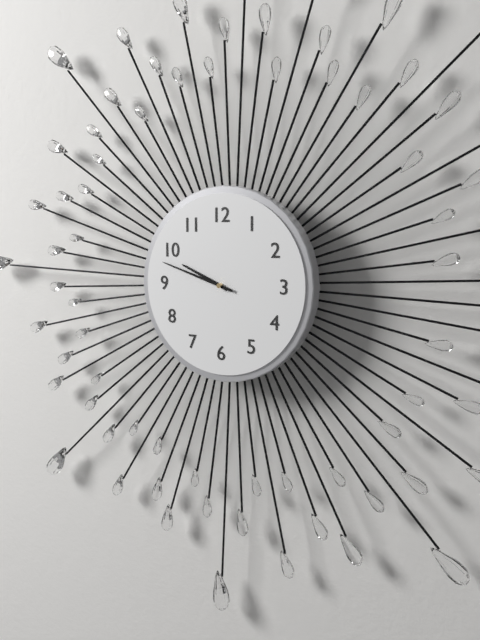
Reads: 9.48
